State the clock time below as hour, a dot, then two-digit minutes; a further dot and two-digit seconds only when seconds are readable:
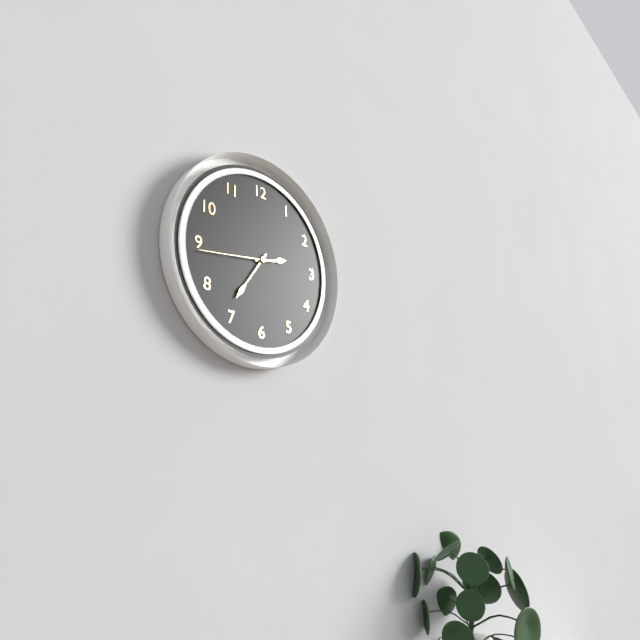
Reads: 2.36.44
